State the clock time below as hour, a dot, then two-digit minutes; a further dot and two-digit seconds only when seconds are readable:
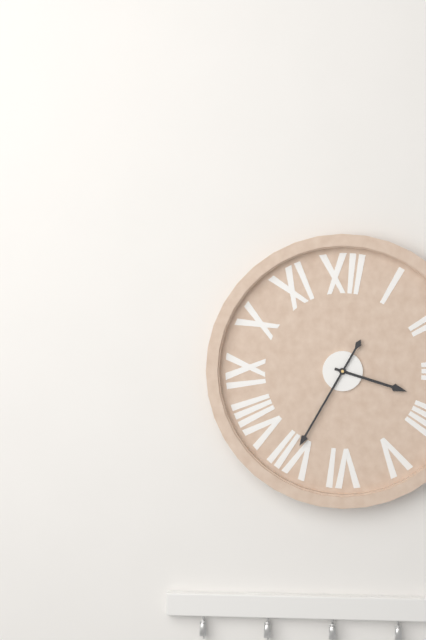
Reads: 3.35
